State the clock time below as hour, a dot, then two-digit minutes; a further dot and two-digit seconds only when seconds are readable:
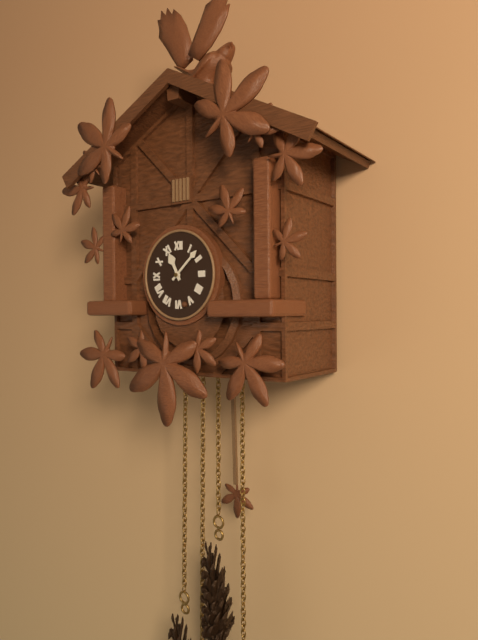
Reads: 11.08
